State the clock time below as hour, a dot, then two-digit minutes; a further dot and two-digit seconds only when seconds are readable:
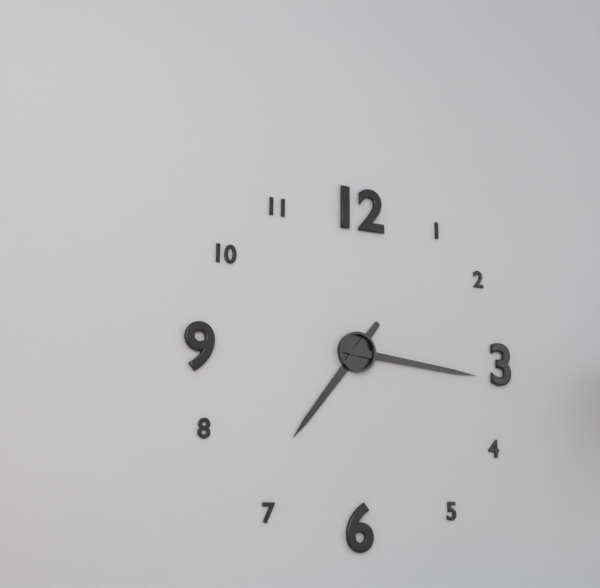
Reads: 7.16
